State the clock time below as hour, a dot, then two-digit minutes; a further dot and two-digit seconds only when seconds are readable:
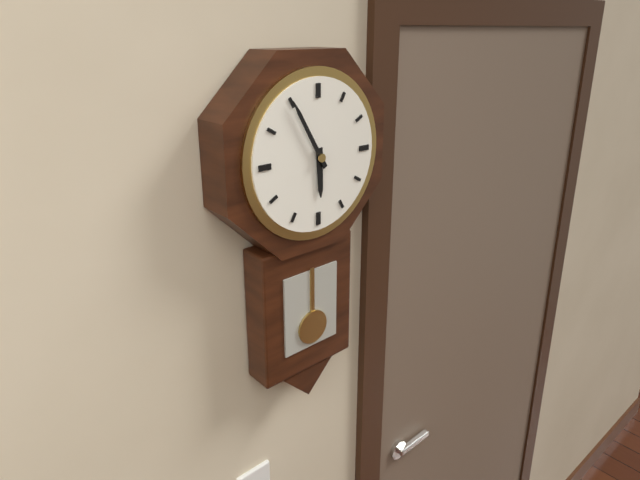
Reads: 5.55
